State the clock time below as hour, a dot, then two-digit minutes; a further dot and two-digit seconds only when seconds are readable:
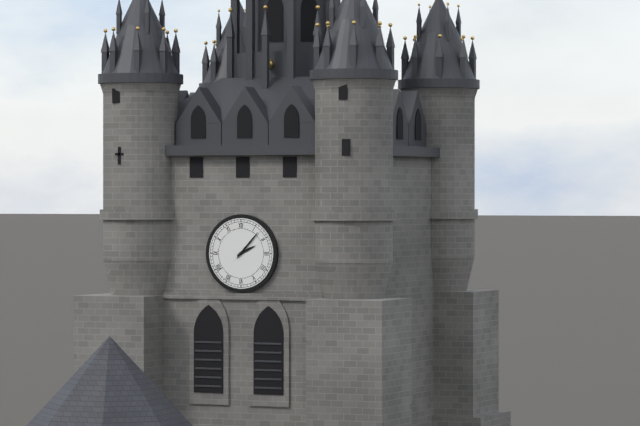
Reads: 2.07
